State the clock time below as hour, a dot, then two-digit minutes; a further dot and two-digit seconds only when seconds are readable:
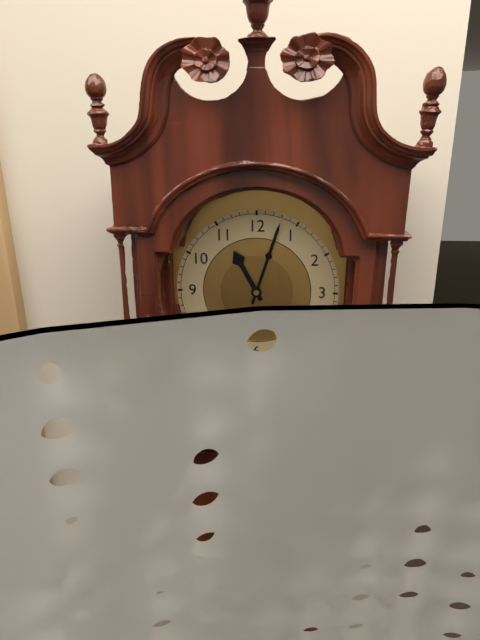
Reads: 11.03
